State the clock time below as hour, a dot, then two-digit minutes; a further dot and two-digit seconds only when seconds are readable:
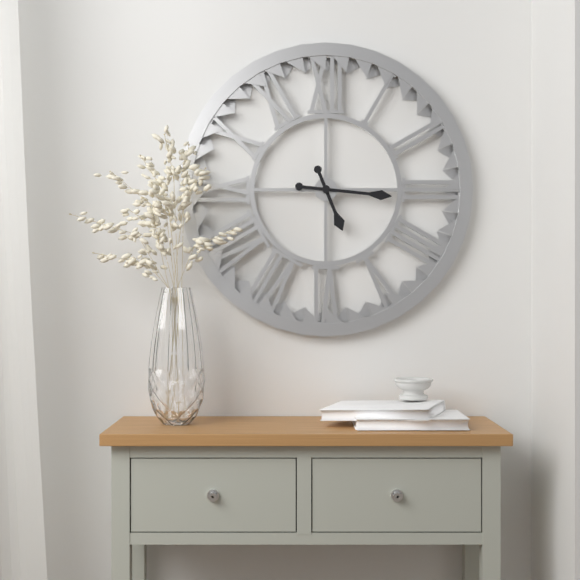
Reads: 5.16
